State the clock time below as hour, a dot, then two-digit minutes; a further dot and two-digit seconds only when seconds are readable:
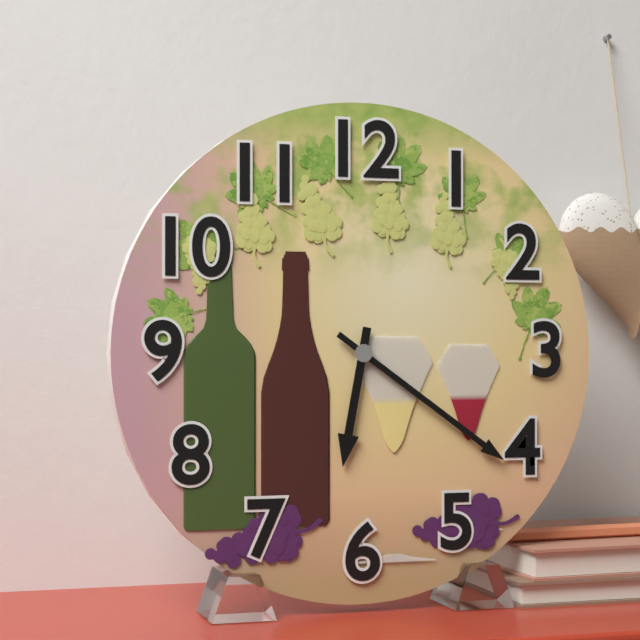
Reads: 6.21
